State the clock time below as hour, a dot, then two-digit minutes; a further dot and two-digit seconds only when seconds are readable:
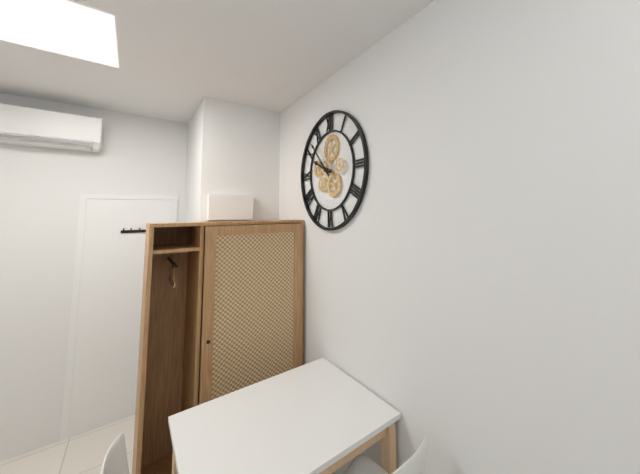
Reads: 9.53
